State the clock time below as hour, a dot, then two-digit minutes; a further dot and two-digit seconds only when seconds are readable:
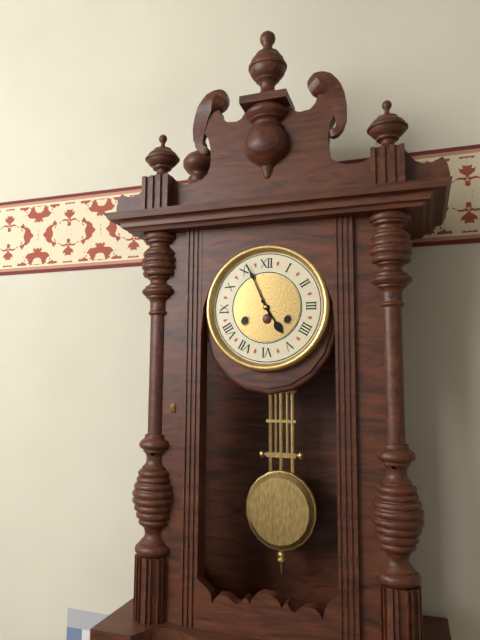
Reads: 4.56
